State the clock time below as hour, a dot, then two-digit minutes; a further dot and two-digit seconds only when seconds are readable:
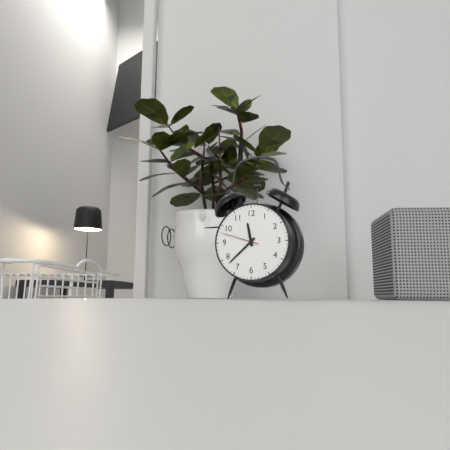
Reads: 11.38
